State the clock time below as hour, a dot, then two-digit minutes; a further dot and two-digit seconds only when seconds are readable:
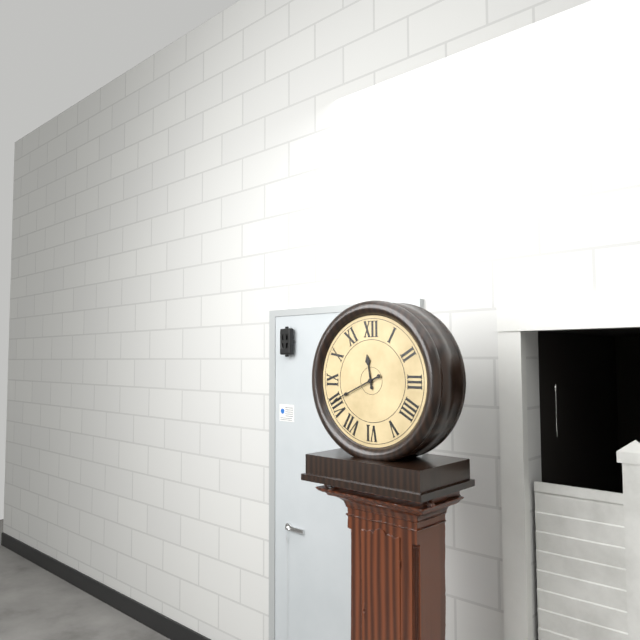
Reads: 11.41
